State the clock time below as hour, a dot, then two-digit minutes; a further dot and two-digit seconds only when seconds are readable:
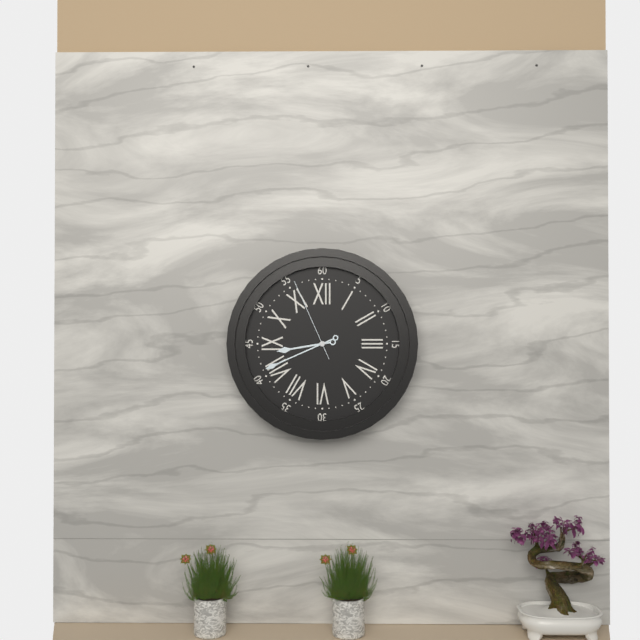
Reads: 8.41.56
